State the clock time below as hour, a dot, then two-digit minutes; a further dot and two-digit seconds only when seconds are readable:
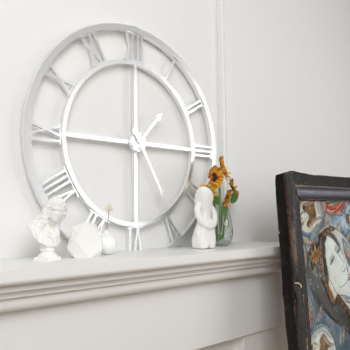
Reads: 1.25
